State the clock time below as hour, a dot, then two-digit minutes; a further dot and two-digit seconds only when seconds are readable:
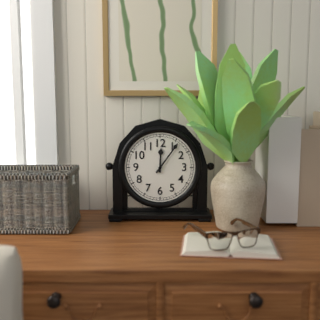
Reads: 12.06
